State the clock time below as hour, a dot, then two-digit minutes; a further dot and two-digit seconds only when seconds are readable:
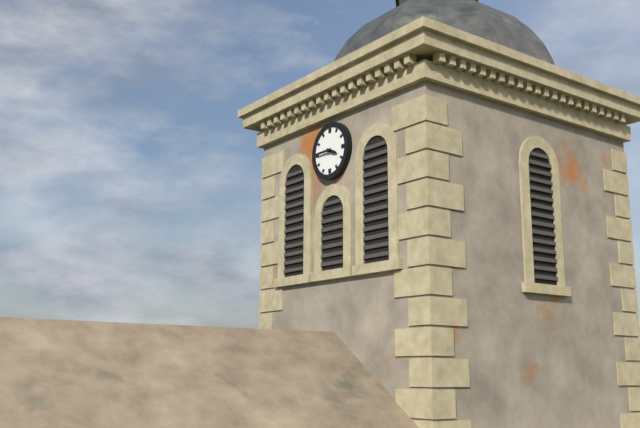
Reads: 3.45
